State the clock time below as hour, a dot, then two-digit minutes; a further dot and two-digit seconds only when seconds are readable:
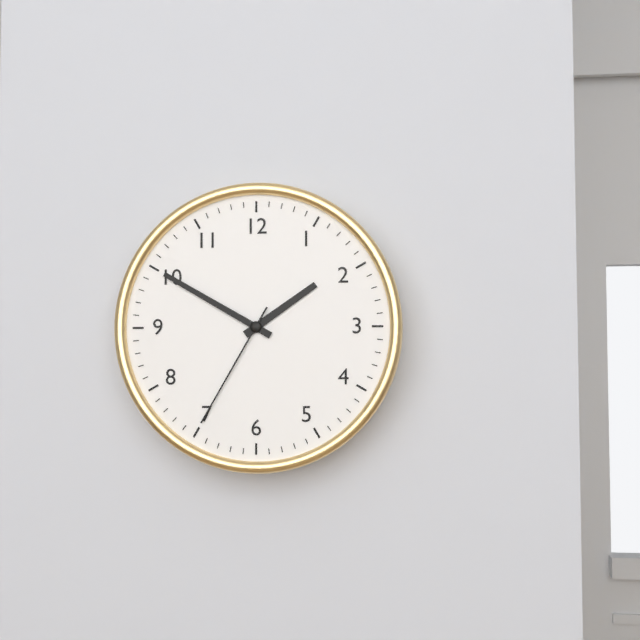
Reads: 1.50.35
